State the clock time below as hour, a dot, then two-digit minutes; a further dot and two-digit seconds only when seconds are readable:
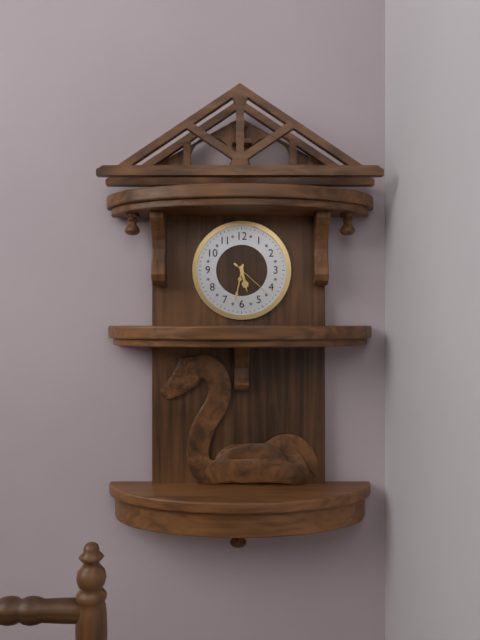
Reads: 5.32
